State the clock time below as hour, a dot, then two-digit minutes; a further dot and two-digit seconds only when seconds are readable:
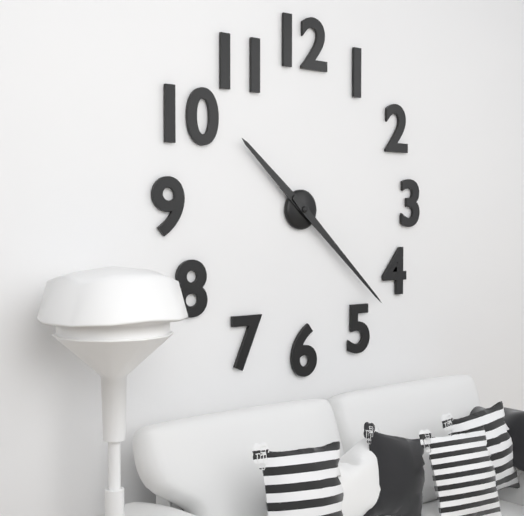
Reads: 10.22
